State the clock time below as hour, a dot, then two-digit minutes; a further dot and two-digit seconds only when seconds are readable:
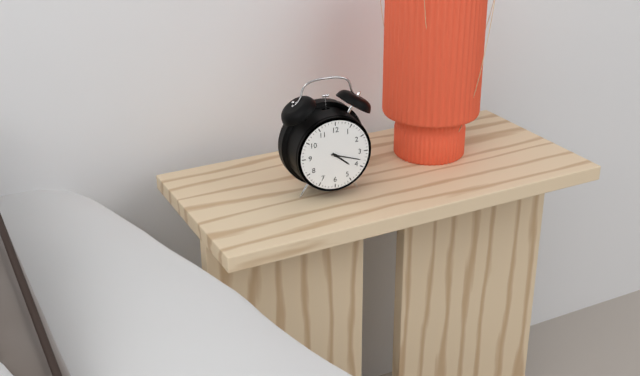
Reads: 4.18
